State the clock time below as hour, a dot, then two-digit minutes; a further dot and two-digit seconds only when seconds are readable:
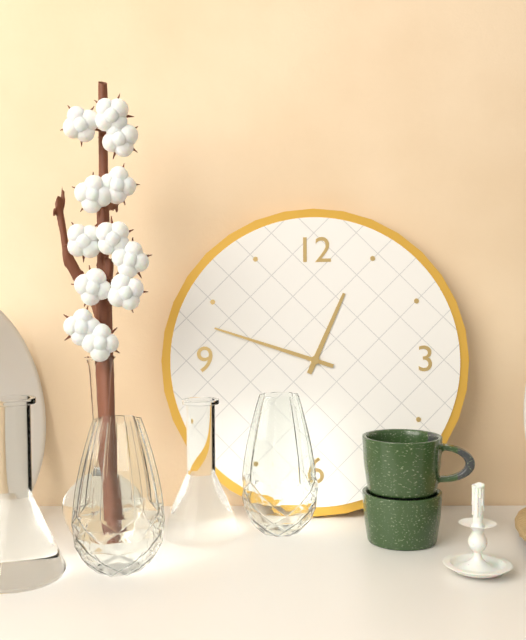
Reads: 12.48
